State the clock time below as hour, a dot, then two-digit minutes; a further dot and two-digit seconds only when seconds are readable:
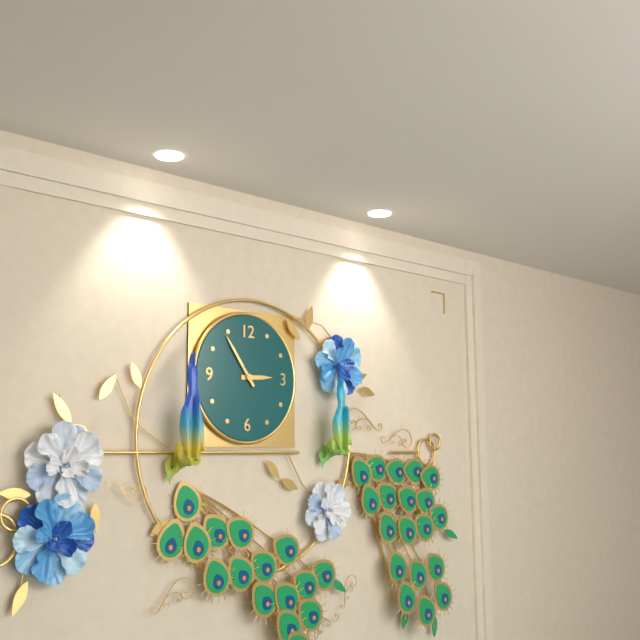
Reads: 2.54
